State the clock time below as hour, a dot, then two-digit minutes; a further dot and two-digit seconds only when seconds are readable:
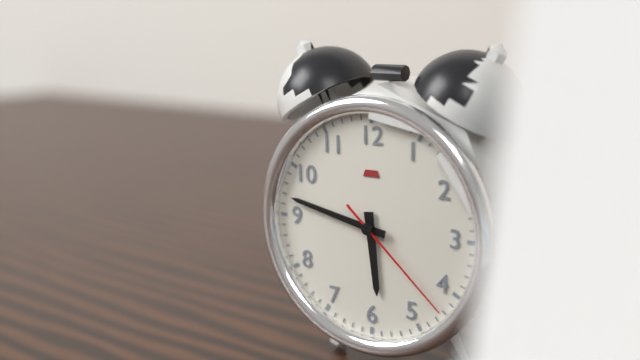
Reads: 5.47.22
